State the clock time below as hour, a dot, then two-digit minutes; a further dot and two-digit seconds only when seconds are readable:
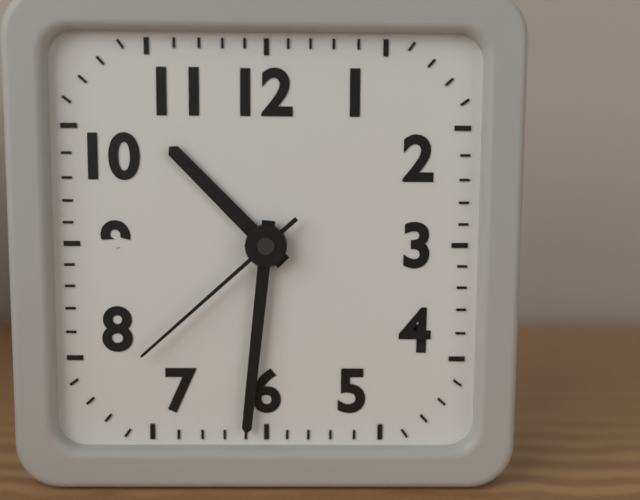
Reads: 10.31.38
